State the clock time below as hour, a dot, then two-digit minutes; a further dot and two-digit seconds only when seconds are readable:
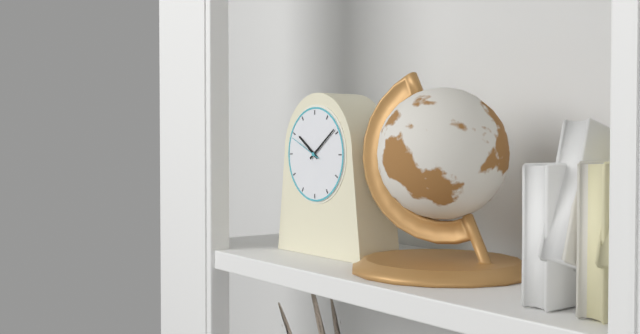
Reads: 10.09
